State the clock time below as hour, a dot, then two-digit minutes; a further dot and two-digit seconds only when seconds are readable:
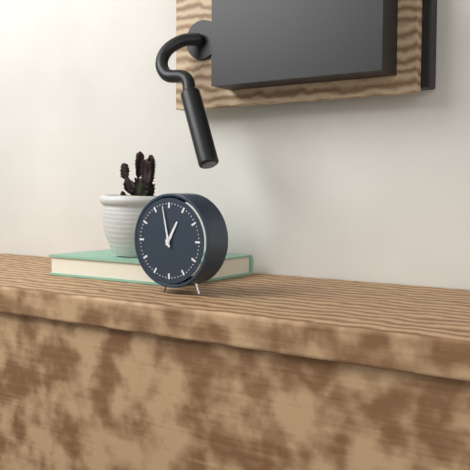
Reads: 12.58
